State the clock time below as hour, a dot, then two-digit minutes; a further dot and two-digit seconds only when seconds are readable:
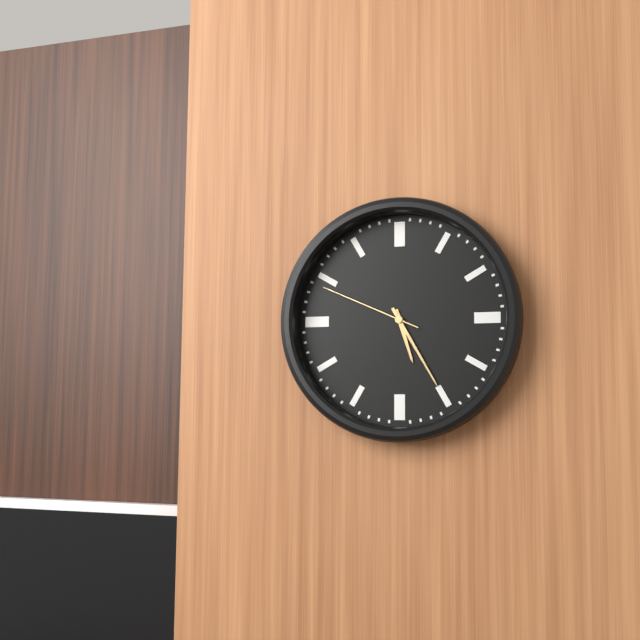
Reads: 5.25.49
